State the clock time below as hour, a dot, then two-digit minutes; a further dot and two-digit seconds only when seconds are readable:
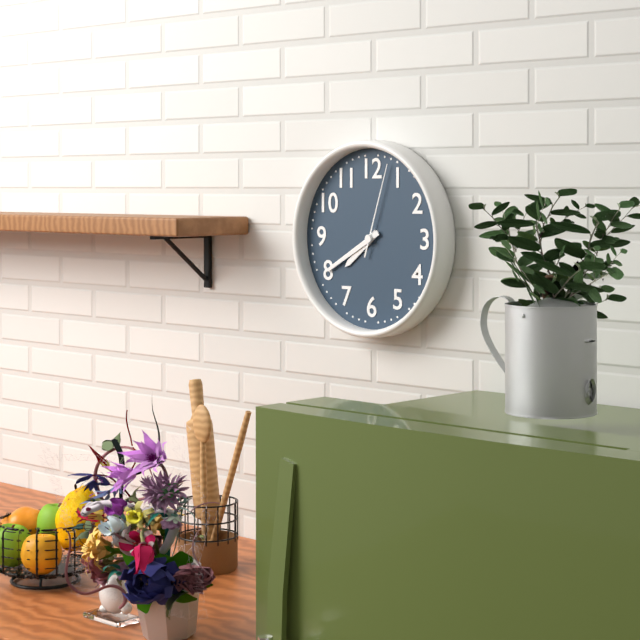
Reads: 7.40.03
